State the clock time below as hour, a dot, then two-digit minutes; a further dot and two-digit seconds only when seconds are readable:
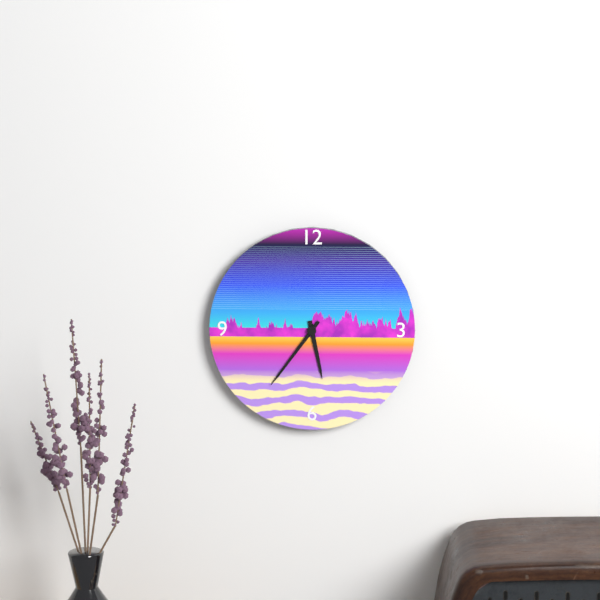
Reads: 5.36
